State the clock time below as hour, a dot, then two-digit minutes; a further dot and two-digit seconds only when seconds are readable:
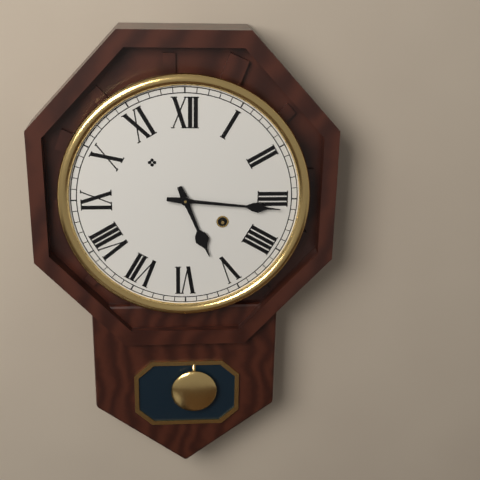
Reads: 5.16
